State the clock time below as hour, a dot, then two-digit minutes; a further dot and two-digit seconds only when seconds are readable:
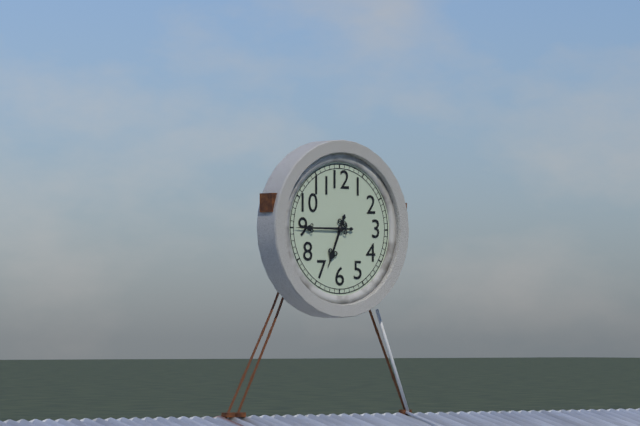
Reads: 6.45
